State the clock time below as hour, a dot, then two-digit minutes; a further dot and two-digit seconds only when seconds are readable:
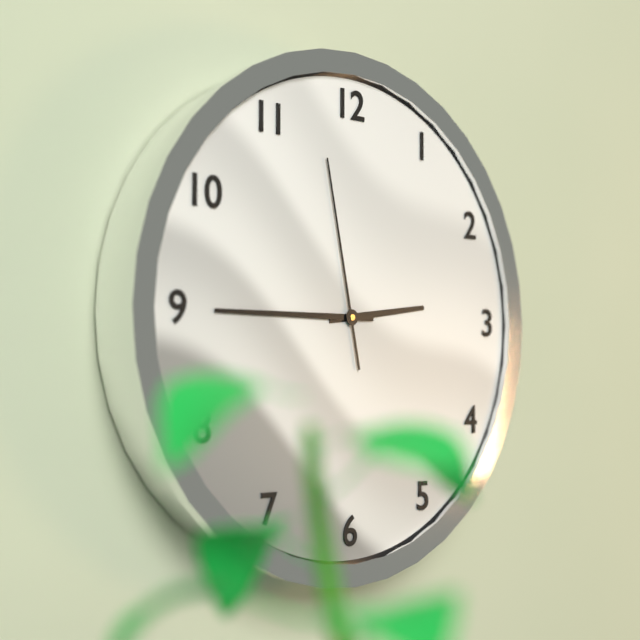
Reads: 2.45.58
